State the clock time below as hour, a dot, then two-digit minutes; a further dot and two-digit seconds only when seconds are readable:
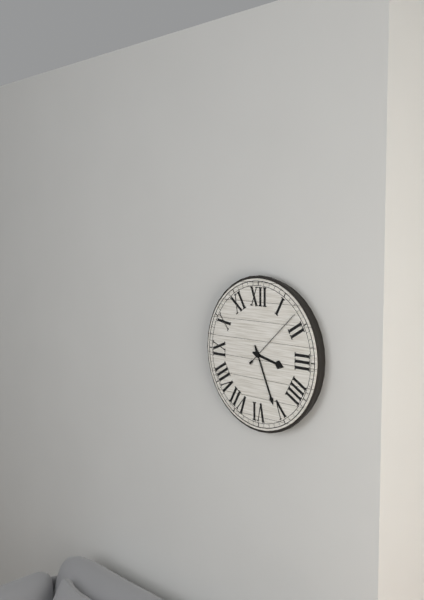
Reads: 3.26.08
